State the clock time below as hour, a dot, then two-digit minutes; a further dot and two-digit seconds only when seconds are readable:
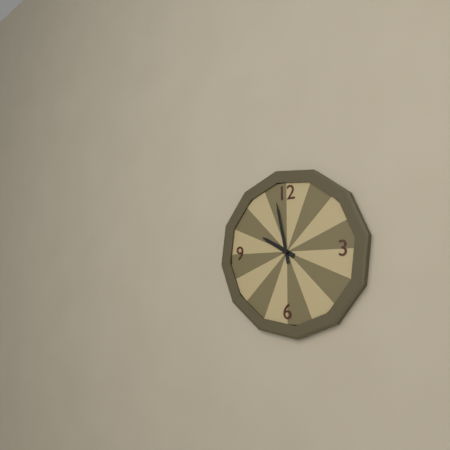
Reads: 9.58
